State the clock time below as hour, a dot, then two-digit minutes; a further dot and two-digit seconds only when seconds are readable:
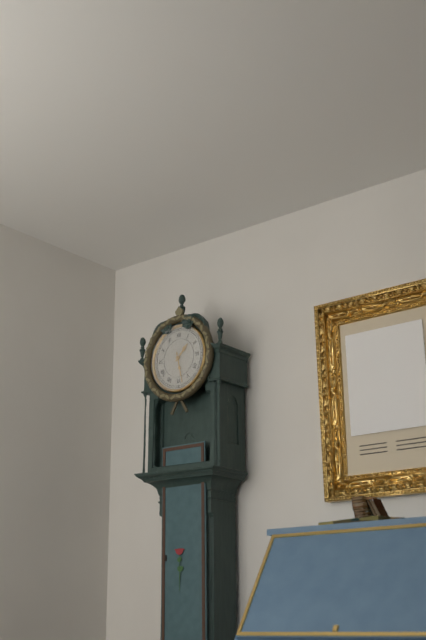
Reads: 1.28
